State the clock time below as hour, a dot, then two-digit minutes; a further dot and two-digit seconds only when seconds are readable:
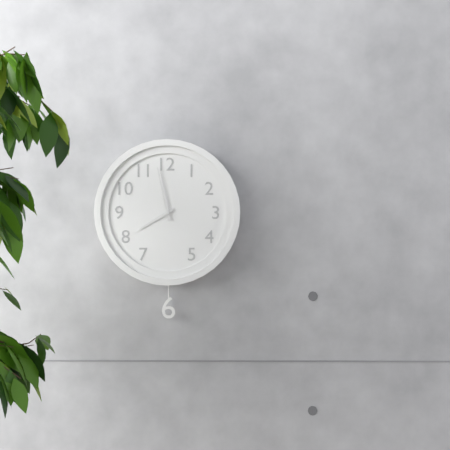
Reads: 7.58
